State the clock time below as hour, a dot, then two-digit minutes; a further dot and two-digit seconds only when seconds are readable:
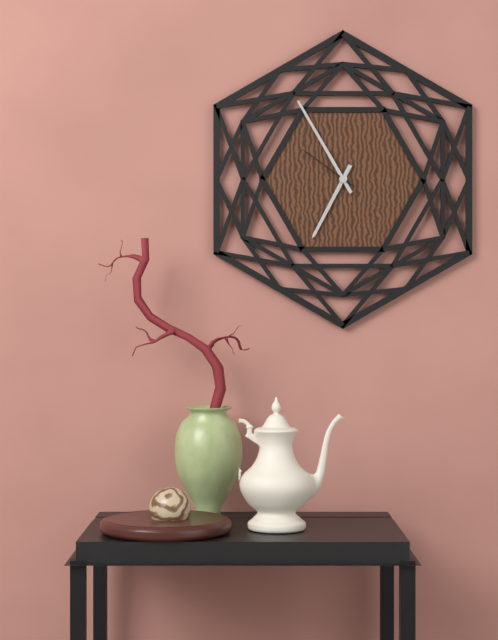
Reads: 6.55.51
